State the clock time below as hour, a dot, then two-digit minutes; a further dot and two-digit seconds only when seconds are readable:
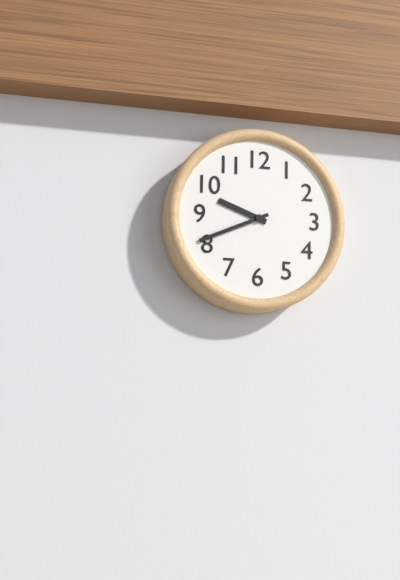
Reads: 9.41
